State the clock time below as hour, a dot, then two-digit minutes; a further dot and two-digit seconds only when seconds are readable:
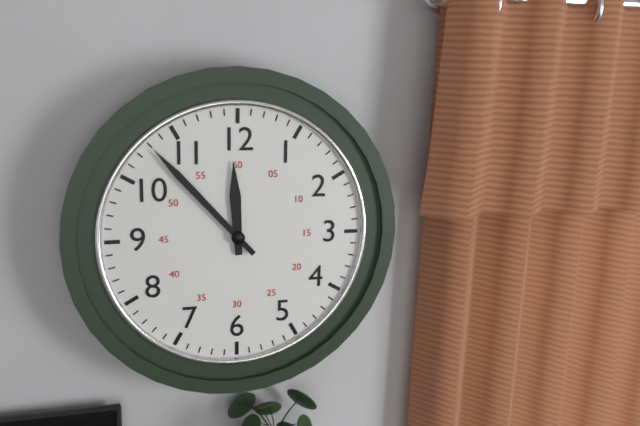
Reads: 11.53
